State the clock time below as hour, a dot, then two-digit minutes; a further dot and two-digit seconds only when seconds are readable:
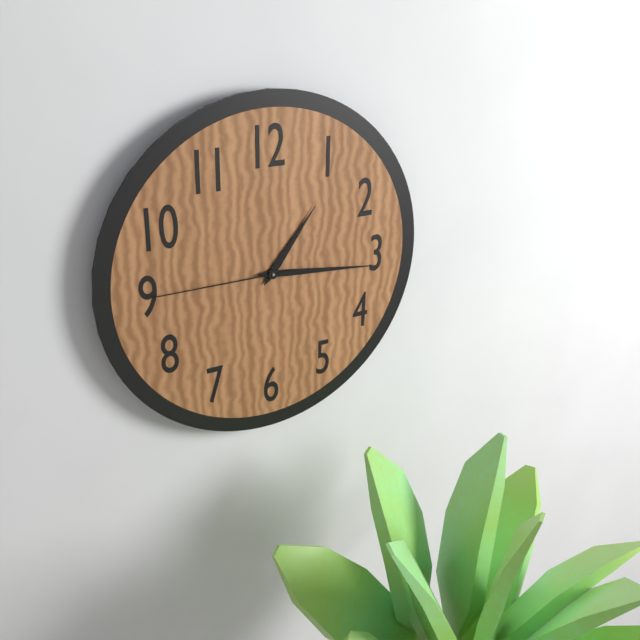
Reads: 1.16.45
